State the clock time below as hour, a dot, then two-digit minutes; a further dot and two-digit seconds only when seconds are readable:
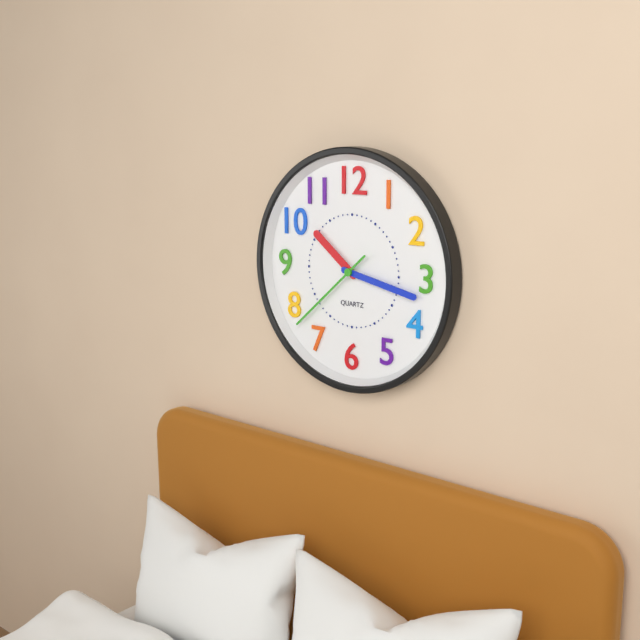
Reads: 10.17.38
